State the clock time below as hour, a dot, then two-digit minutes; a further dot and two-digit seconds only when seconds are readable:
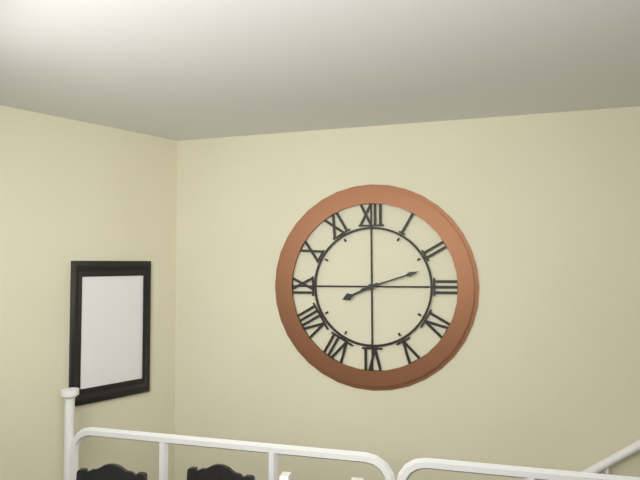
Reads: 8.12
